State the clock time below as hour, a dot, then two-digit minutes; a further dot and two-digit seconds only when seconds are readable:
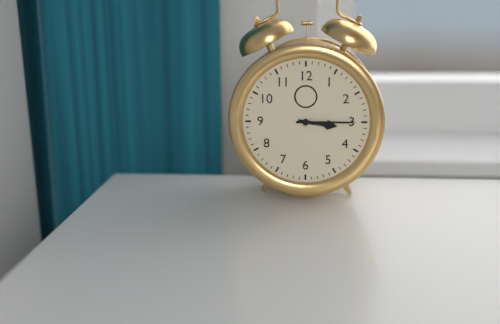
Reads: 3.15
